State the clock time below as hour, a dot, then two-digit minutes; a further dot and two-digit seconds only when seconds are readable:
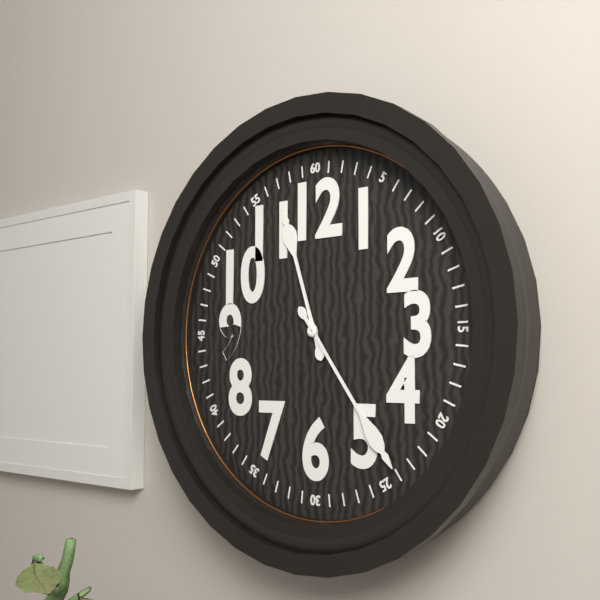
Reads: 11.24
